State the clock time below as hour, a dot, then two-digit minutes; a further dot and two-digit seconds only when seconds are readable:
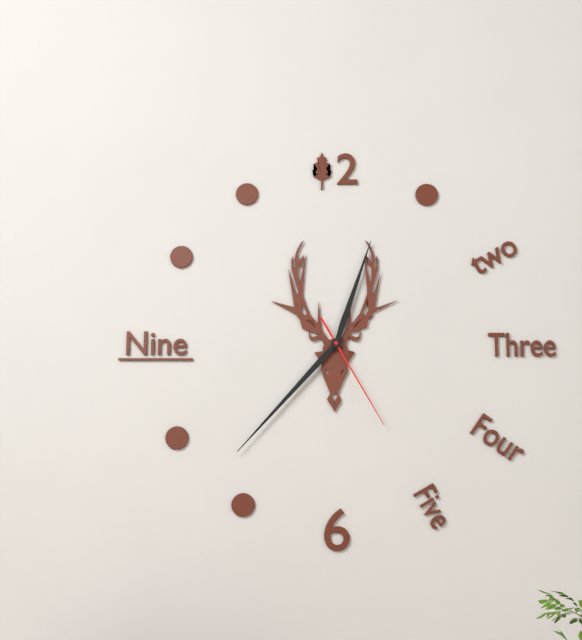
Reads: 12.37.25
